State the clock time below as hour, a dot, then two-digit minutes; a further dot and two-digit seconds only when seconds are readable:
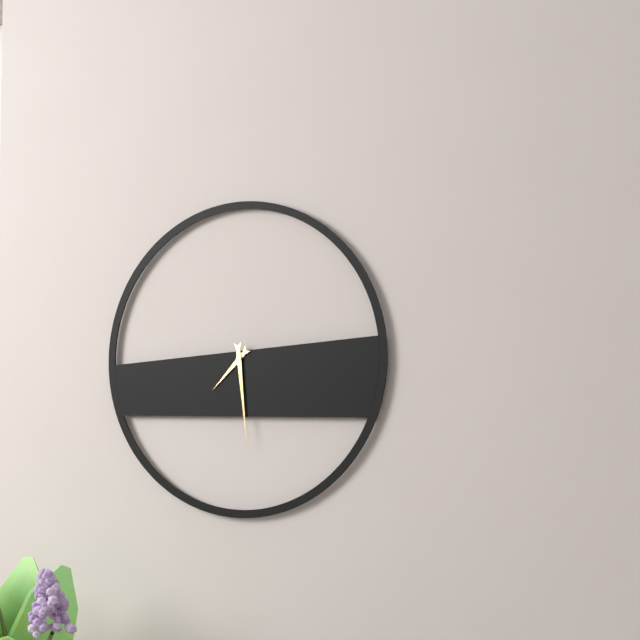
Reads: 7.29
